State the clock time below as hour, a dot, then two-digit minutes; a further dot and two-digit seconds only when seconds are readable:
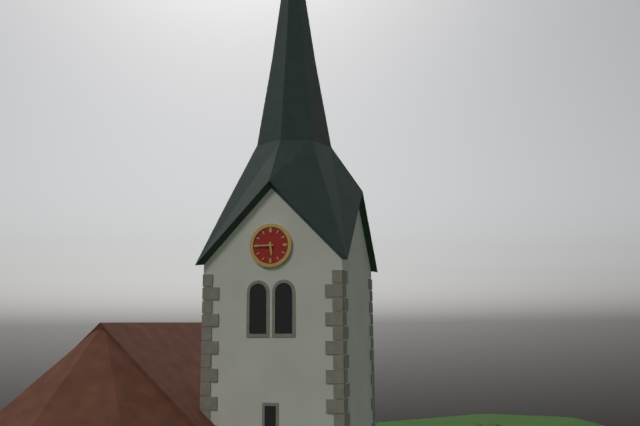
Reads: 5.45
